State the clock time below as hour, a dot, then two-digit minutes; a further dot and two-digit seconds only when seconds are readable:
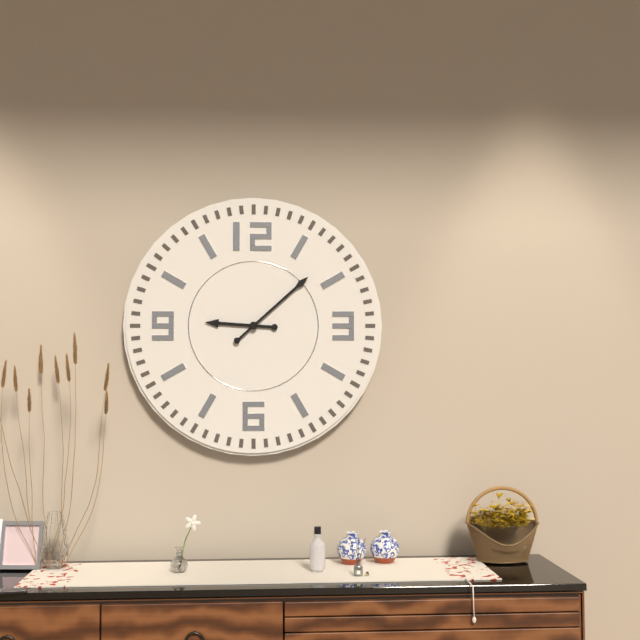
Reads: 9.08
